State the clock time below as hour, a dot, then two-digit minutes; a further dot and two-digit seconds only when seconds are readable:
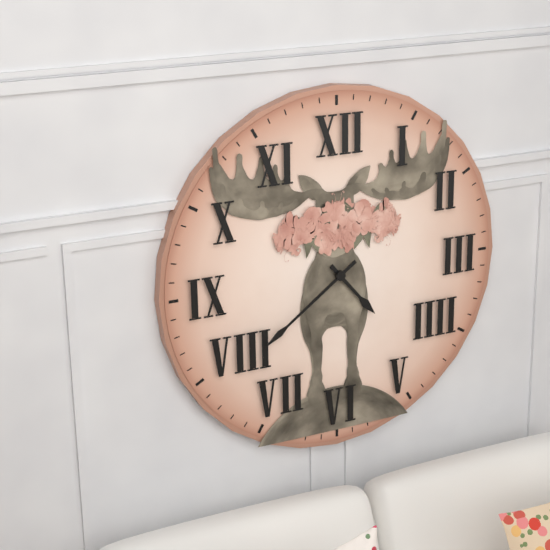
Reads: 4.39
